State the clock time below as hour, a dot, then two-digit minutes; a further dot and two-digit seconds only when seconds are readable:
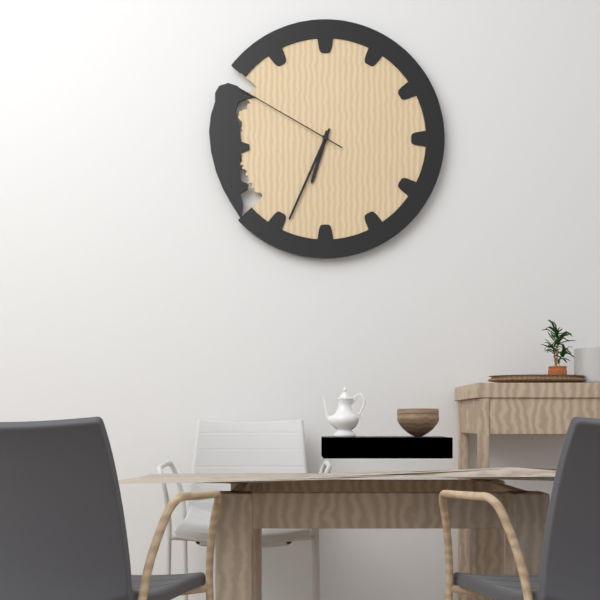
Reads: 6.34.50
